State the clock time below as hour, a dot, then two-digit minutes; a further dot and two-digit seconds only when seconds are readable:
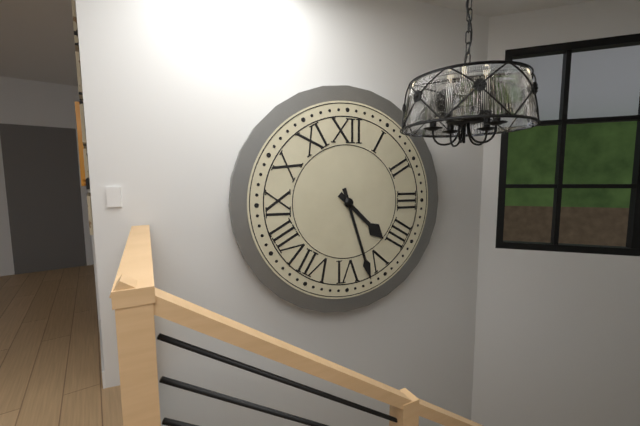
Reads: 4.27
